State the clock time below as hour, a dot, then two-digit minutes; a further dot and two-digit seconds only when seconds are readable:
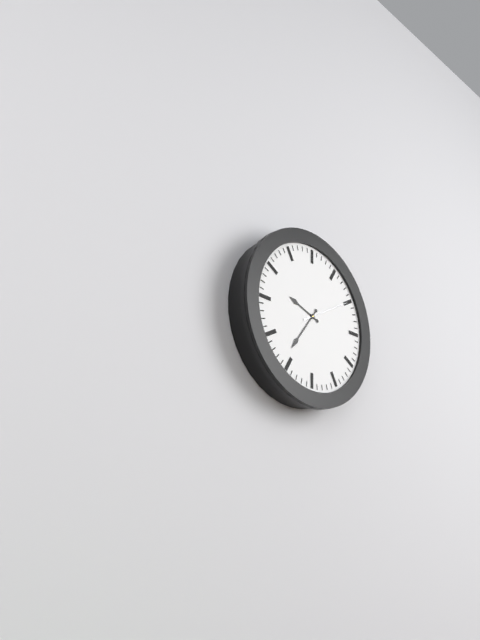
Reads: 9.36
